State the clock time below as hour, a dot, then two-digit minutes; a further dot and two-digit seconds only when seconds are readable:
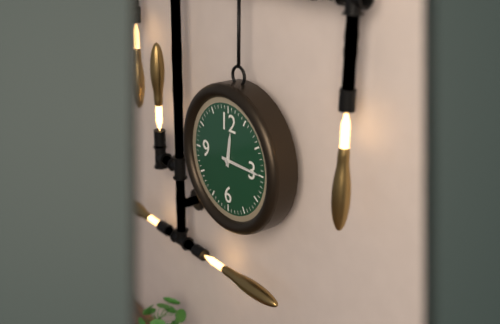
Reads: 12.15
